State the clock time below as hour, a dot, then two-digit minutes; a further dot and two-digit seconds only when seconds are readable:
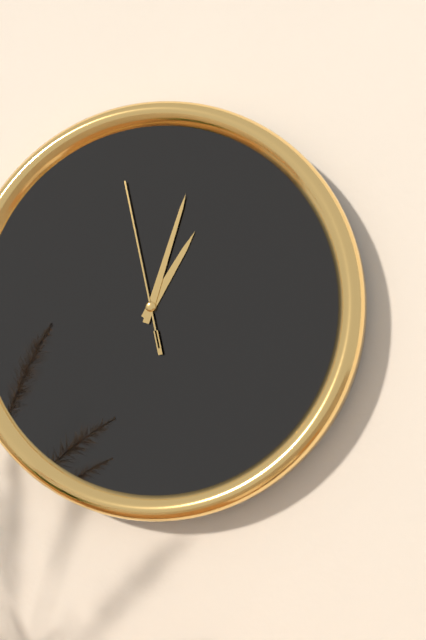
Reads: 1.03.58
